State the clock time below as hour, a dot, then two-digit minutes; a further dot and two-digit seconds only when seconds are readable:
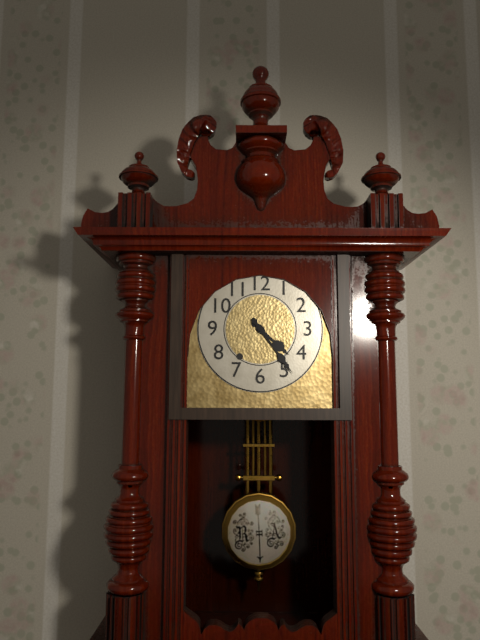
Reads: 4.24
